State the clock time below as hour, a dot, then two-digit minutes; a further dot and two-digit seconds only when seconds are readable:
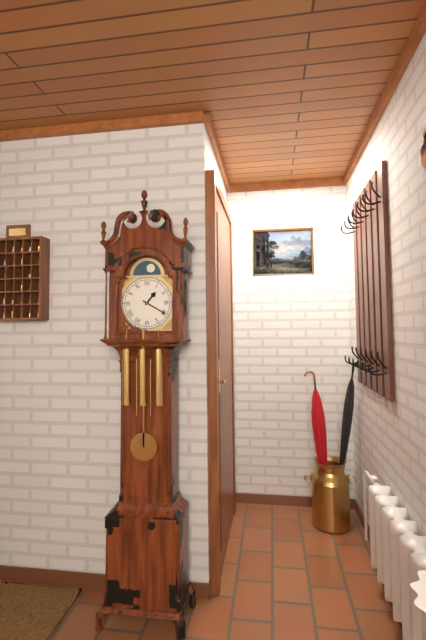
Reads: 1.20
